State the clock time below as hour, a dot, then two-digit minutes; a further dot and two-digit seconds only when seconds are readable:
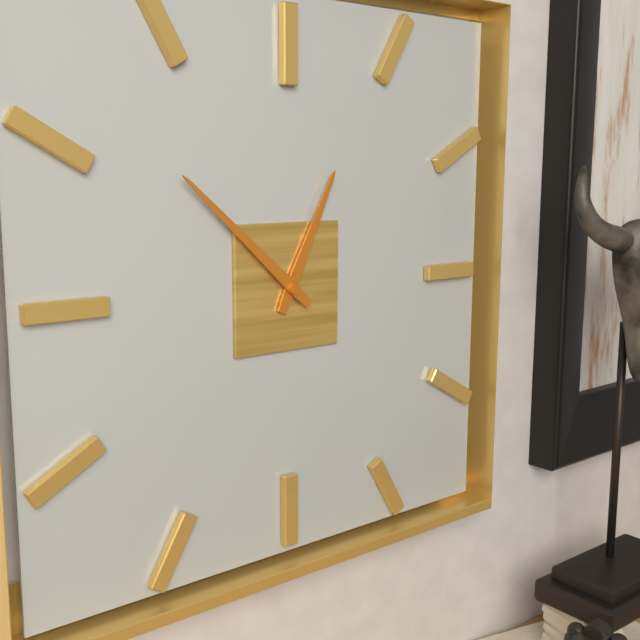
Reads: 12.52
